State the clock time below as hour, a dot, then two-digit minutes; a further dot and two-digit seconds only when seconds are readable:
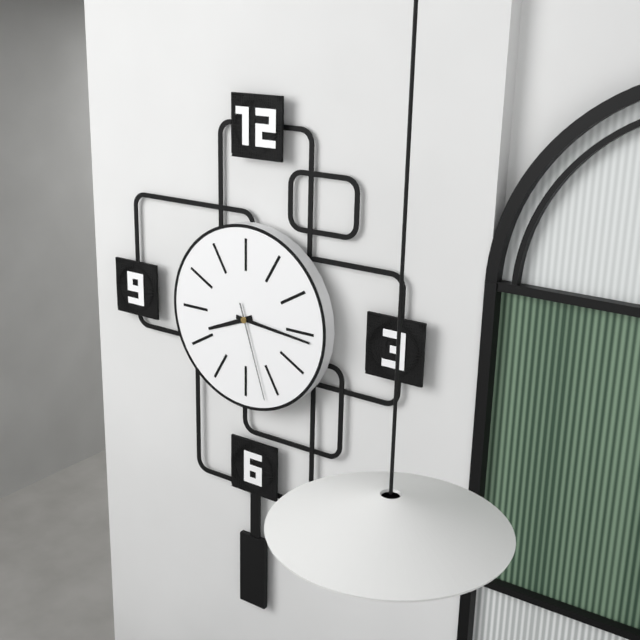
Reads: 8.16.27
